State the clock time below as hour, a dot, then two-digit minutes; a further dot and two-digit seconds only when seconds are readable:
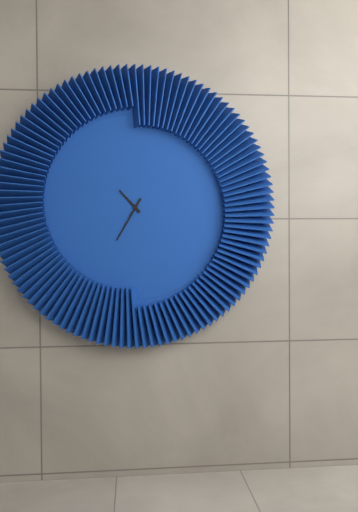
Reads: 10.35
